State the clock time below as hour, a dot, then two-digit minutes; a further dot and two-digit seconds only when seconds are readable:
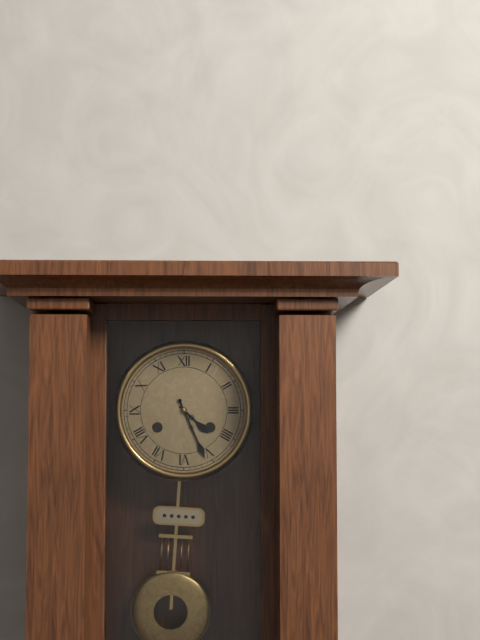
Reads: 4.26
